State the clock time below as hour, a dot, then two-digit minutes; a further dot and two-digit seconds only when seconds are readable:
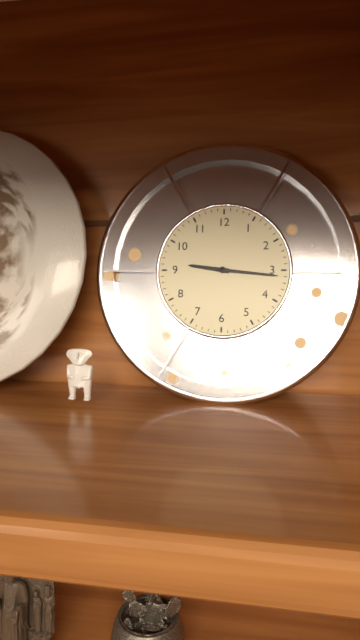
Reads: 9.16
